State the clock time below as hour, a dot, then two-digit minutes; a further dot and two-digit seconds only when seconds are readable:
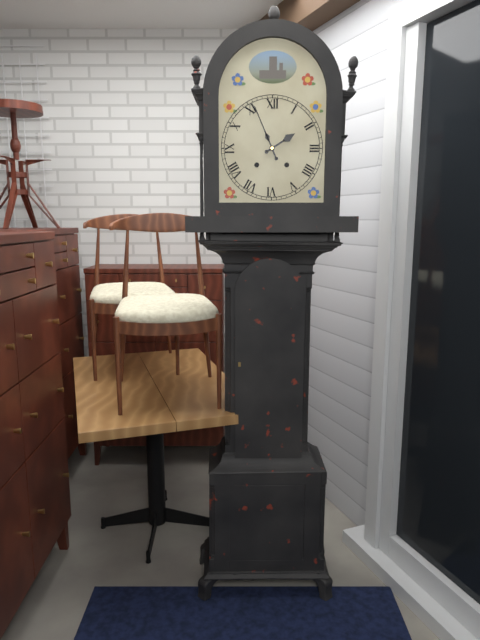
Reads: 1.56
